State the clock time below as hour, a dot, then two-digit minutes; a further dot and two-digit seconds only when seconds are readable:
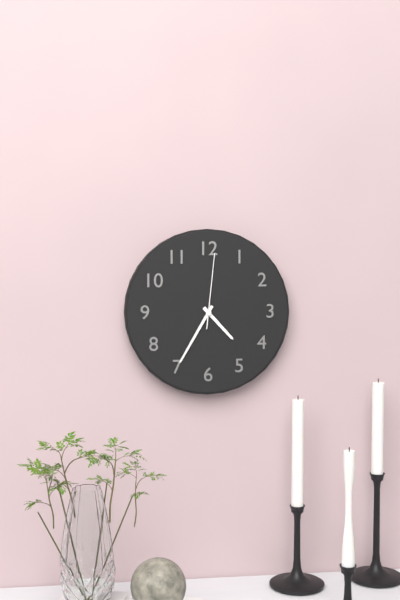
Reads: 4.35.01
